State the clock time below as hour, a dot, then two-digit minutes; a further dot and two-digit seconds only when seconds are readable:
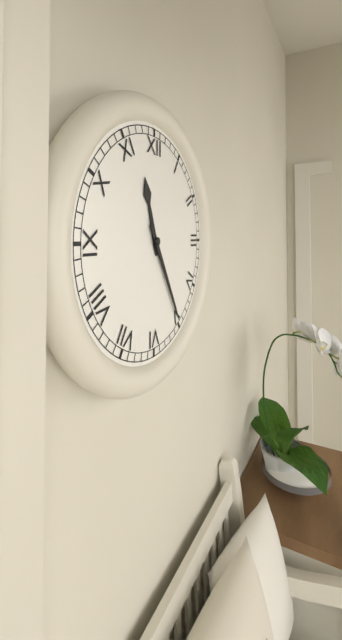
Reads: 11.25
